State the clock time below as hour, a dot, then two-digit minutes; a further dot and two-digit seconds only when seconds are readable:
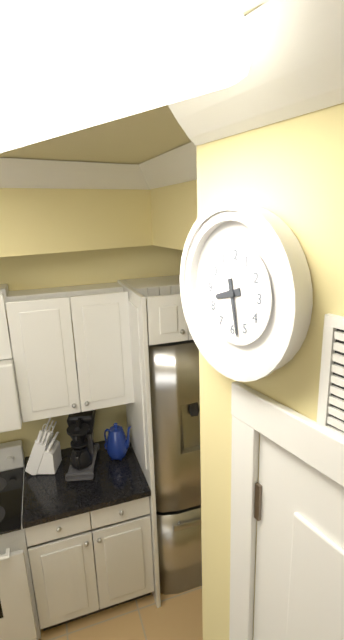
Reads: 8.28
